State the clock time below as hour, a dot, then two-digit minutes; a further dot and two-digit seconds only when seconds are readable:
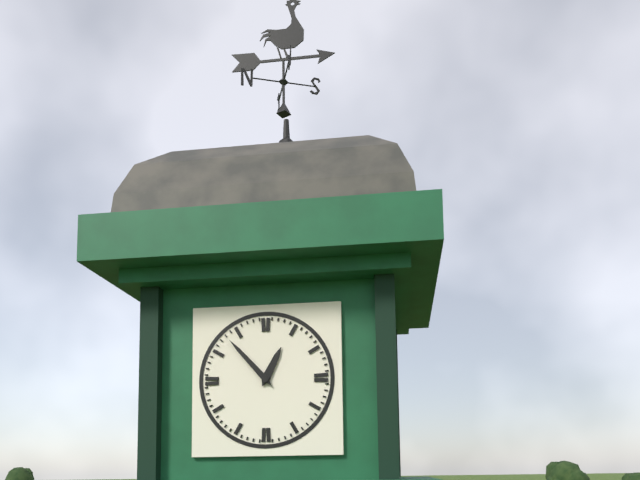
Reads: 12.53
